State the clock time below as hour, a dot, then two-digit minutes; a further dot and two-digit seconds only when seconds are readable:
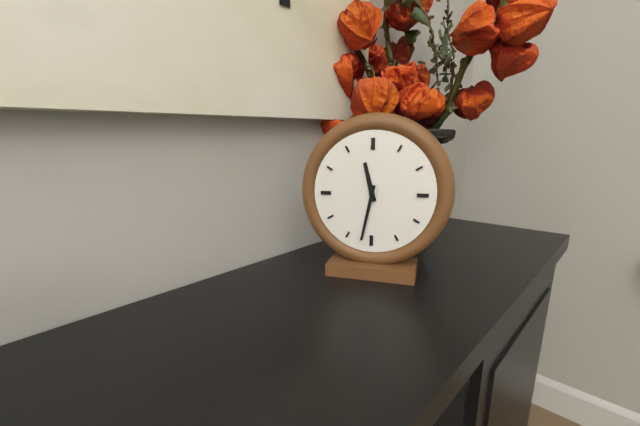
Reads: 11.32
